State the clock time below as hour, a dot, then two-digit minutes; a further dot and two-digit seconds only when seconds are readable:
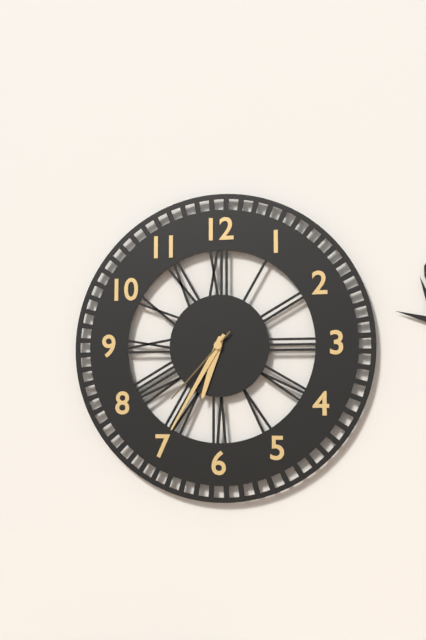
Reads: 6.35.37
